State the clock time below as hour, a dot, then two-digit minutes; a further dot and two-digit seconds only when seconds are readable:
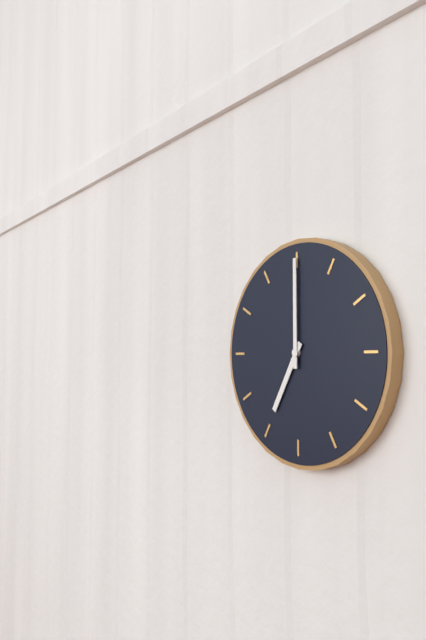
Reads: 7.00
